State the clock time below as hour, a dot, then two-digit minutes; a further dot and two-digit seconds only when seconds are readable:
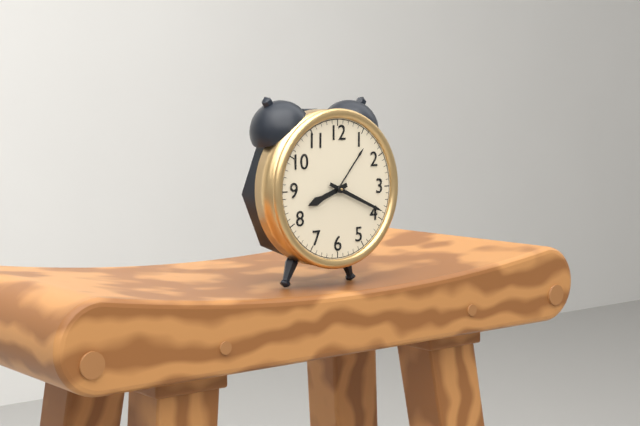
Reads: 8.19
